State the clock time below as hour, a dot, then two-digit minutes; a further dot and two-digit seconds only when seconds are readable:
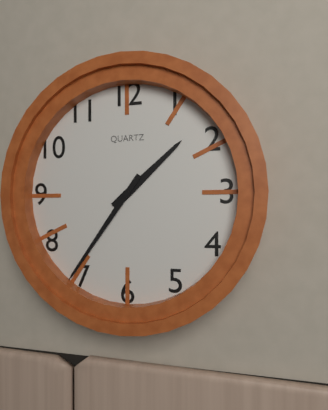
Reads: 1.36
